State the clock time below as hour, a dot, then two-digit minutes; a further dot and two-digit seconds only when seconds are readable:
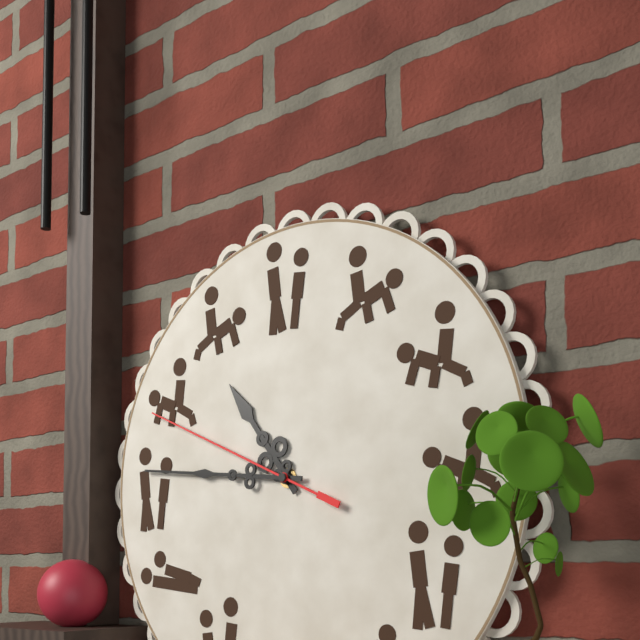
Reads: 10.46.49
